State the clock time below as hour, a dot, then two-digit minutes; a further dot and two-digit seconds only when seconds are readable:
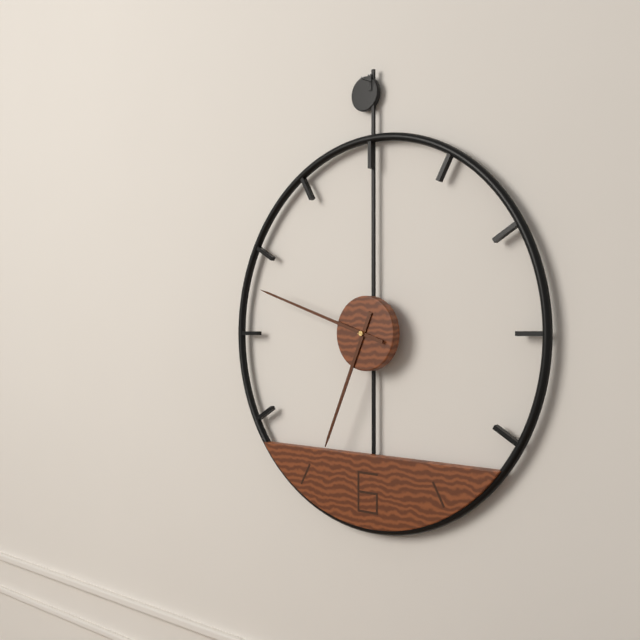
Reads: 6.48
